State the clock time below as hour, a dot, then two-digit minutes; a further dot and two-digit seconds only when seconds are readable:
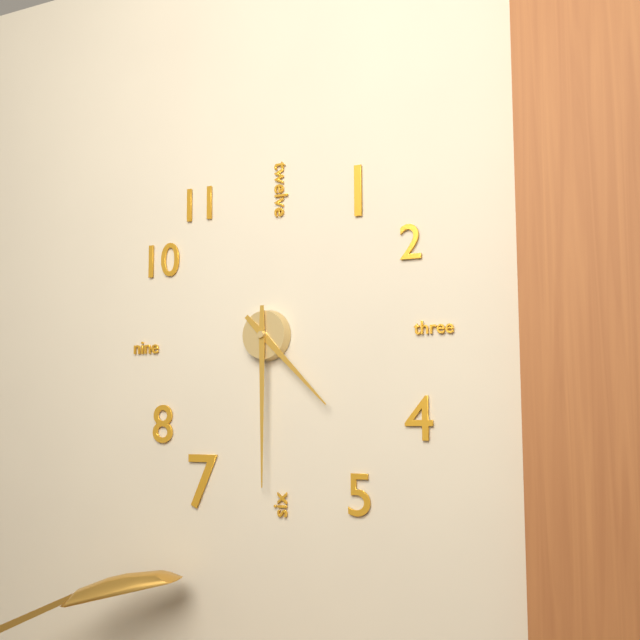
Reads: 4.30
